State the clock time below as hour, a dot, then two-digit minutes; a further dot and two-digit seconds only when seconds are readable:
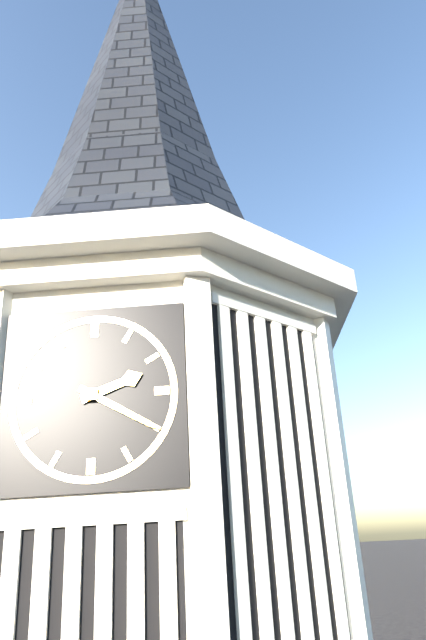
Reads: 2.20
